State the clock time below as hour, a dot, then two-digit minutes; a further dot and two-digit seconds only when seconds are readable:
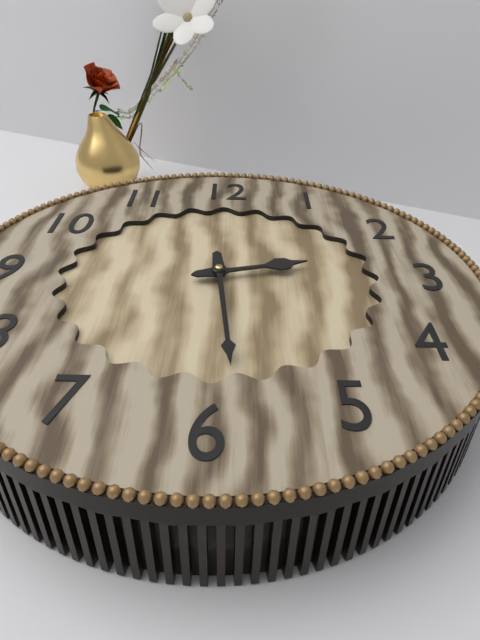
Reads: 2.29
